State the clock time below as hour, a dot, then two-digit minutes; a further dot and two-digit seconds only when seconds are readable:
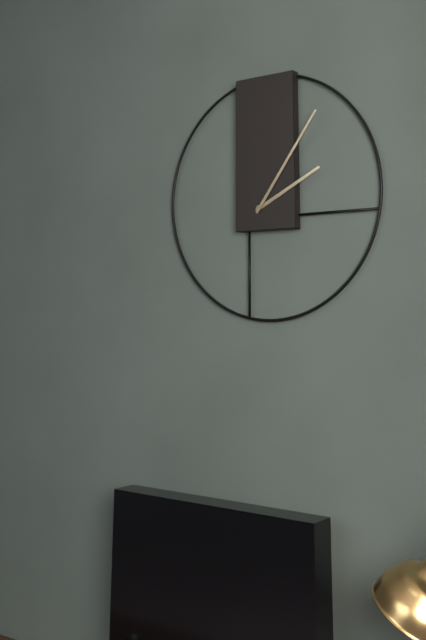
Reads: 2.06
